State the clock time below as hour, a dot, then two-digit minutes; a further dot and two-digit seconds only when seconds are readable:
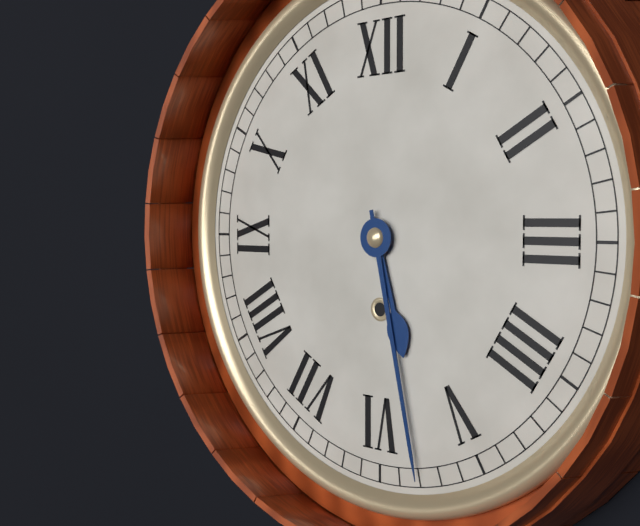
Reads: 5.28
